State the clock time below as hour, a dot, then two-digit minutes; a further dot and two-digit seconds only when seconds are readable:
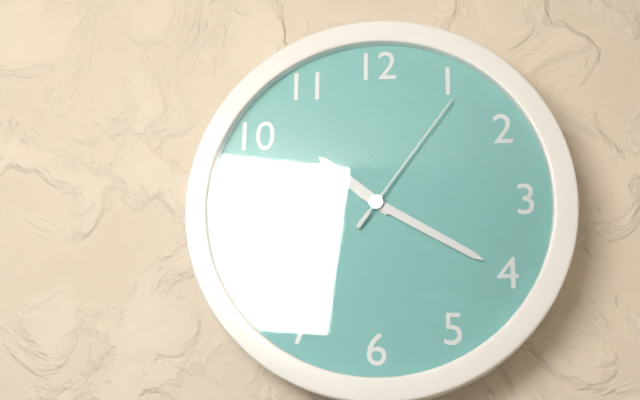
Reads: 10.20.06
